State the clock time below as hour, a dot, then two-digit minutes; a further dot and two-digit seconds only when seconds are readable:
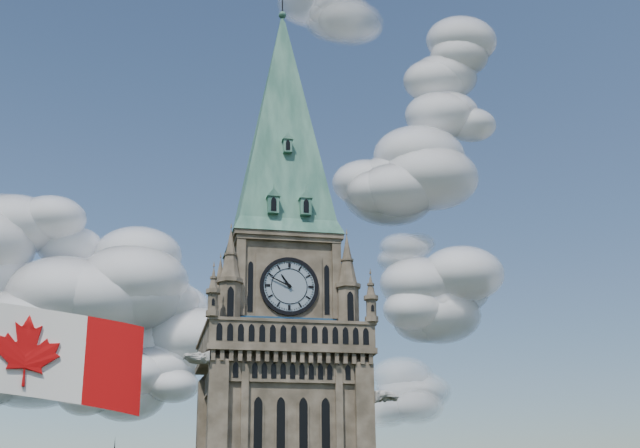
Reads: 10.49
